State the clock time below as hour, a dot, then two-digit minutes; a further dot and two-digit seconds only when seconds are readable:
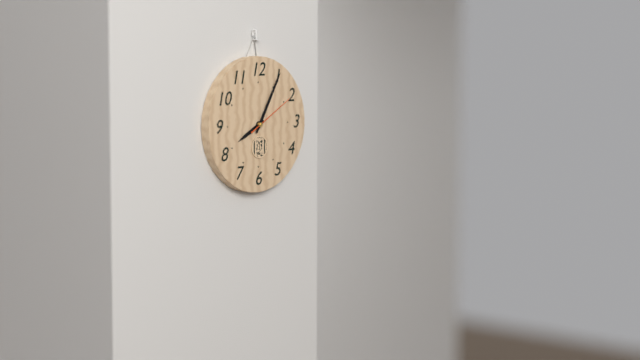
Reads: 8.05.10
